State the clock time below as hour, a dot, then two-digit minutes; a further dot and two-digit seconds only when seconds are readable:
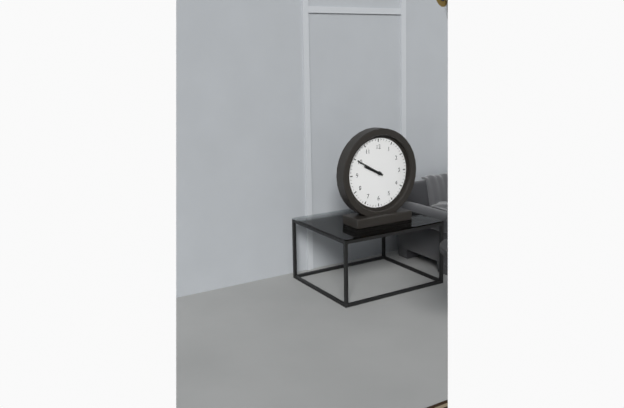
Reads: 9.50
